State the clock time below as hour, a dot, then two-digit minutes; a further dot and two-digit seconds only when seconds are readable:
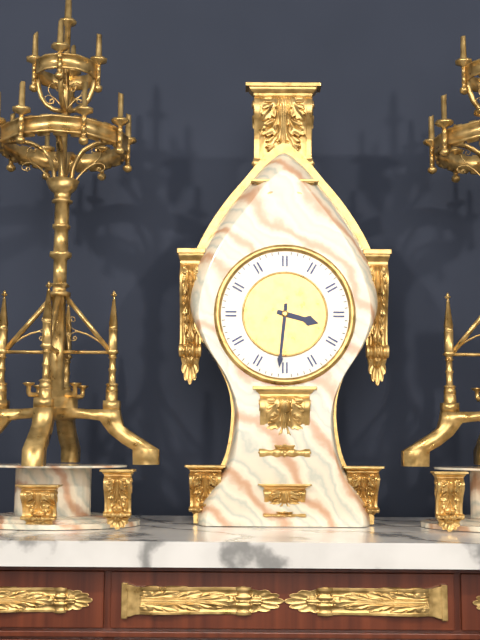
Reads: 3.31
